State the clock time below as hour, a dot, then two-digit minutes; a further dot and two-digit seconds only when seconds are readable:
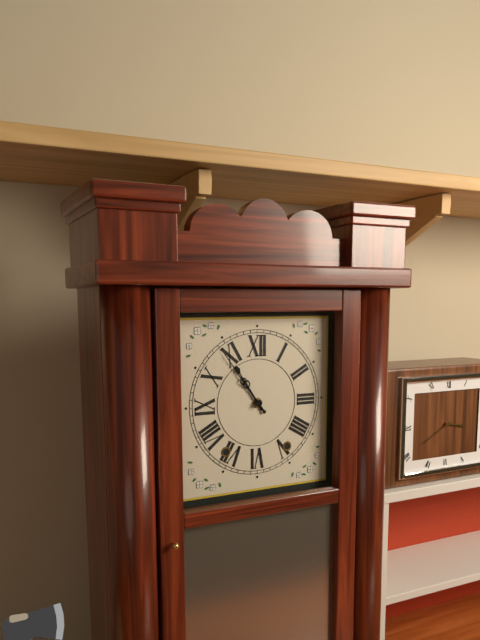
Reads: 10.54
